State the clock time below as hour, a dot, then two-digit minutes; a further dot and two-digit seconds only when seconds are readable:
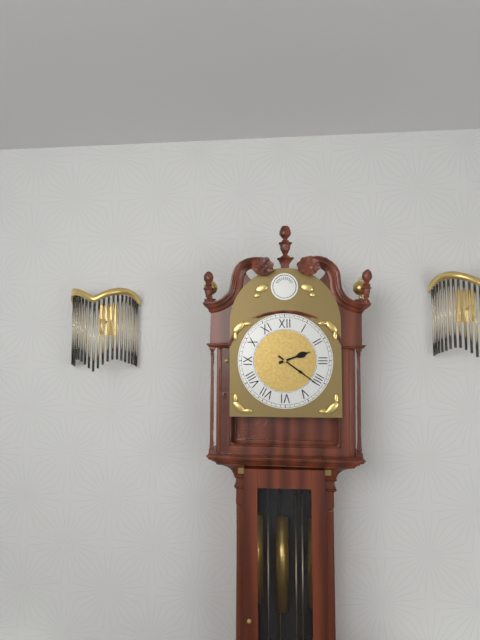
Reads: 2.21
